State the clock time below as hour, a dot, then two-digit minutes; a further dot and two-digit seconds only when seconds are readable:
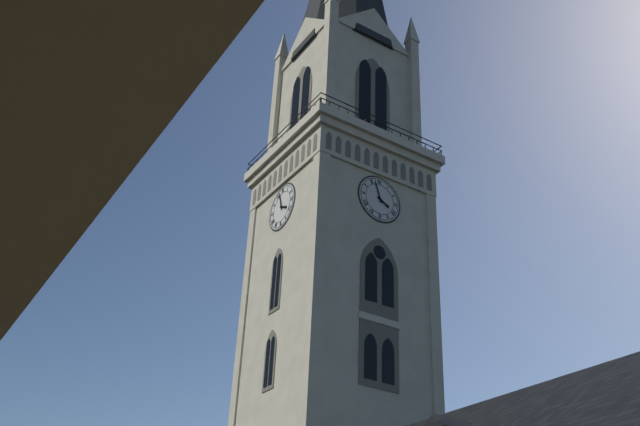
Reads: 3.57
